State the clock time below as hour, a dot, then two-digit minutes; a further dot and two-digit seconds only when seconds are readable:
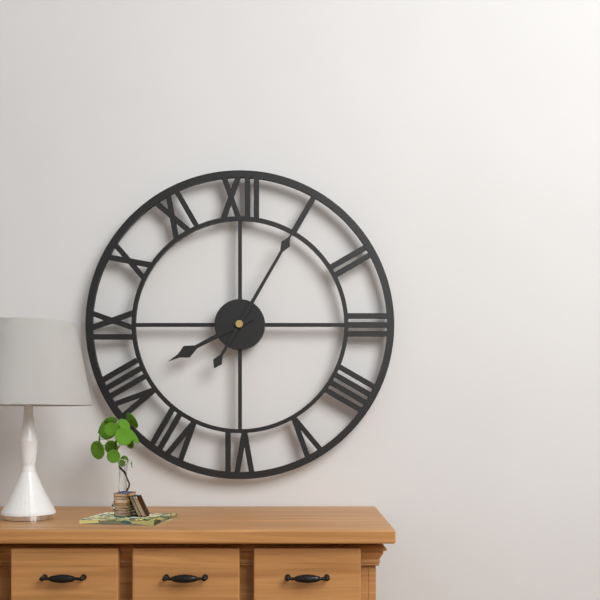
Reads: 8.05
